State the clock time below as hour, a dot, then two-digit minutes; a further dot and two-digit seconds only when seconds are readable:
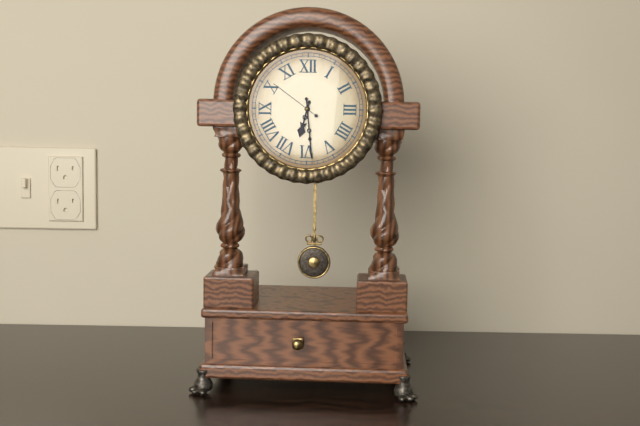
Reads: 6.29.51
